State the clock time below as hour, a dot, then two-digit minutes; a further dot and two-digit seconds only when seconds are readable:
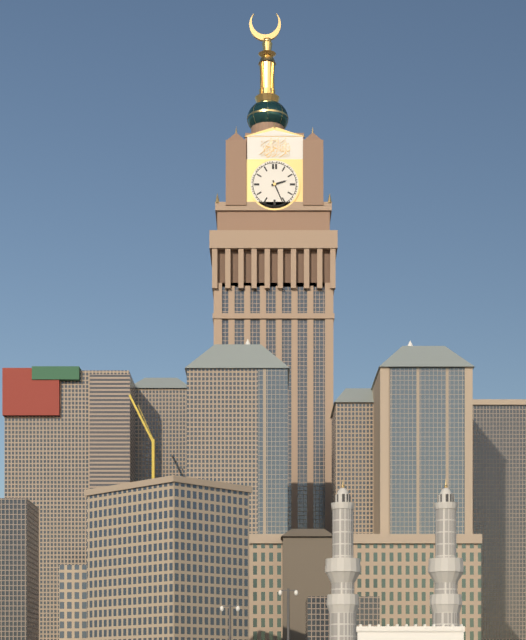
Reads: 2.26
